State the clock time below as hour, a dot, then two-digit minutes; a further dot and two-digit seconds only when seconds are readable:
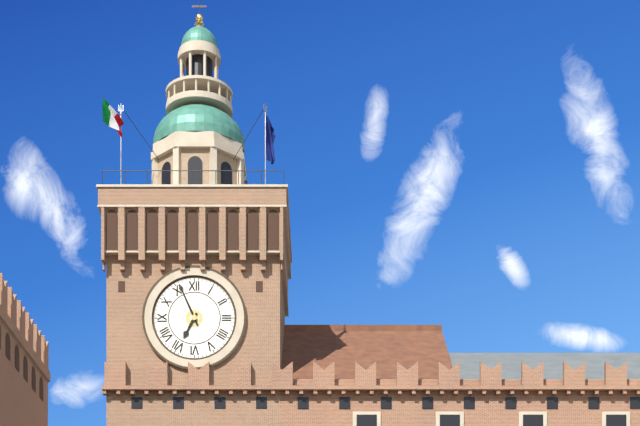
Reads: 6.56
